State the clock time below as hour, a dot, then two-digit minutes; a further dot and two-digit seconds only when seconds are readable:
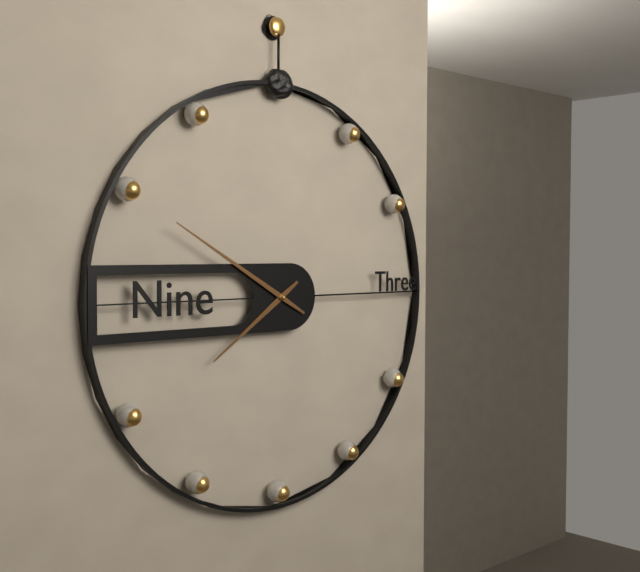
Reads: 7.50
